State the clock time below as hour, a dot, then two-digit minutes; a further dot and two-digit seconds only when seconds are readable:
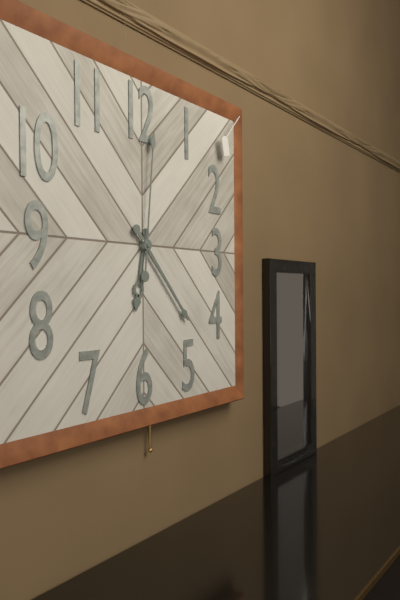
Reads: 6.23.01
